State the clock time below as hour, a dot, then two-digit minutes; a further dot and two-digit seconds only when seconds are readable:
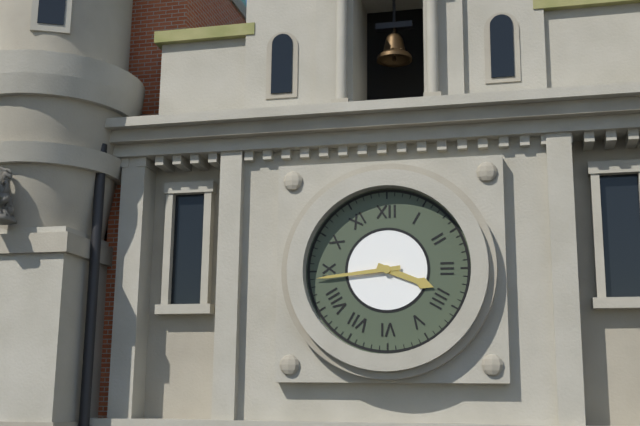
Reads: 3.44
